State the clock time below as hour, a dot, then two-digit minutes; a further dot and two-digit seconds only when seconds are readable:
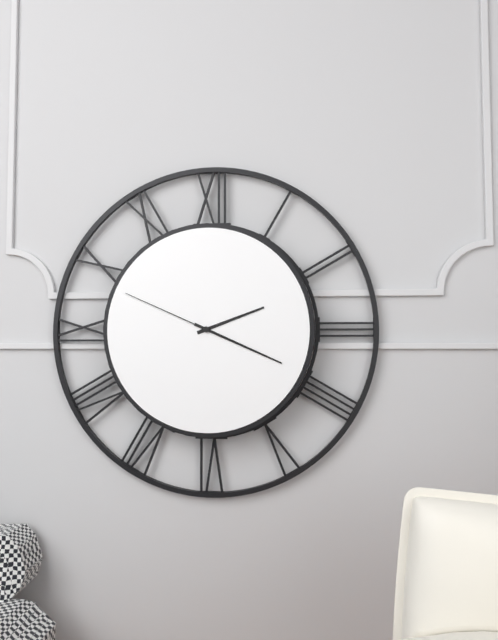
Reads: 2.19.49
